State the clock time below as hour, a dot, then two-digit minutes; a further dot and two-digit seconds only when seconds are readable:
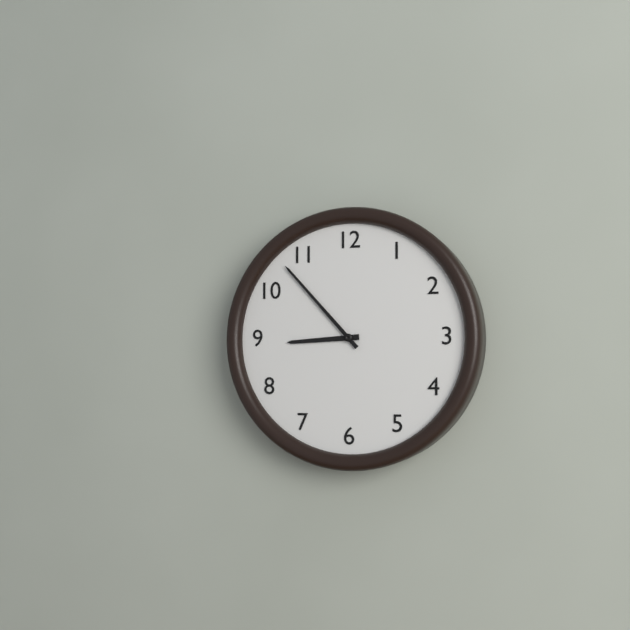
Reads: 8.53
